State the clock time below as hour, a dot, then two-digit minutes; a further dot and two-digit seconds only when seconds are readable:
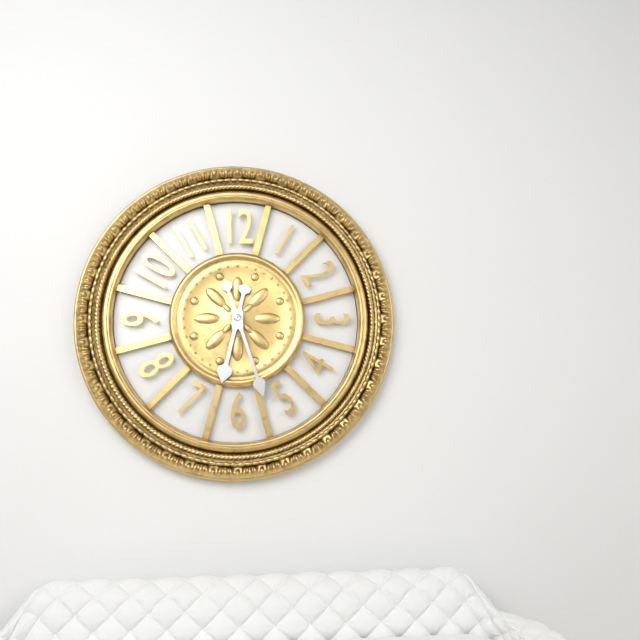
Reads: 6.27
